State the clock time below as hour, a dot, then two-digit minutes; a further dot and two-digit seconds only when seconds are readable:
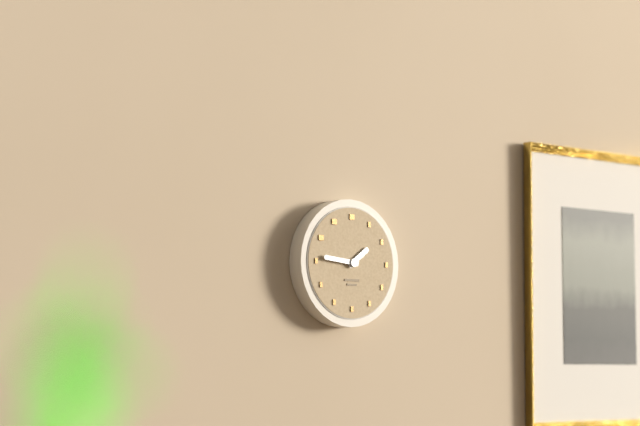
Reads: 1.46
